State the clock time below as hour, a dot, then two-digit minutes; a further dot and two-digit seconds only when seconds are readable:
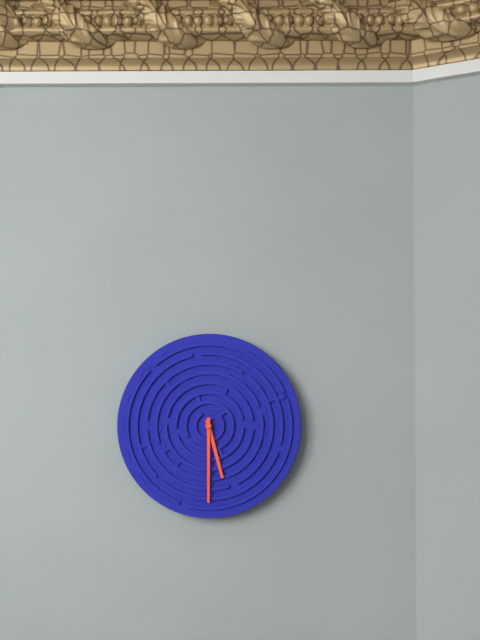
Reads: 5.30
